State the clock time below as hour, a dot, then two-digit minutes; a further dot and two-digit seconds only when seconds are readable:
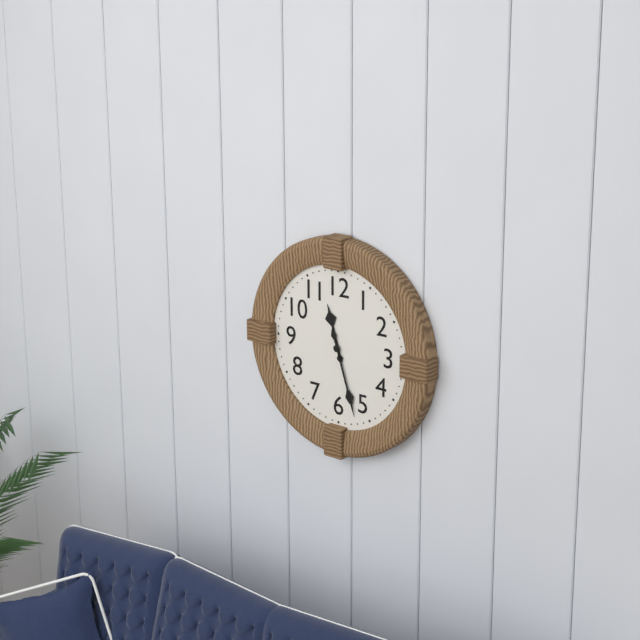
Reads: 11.27
